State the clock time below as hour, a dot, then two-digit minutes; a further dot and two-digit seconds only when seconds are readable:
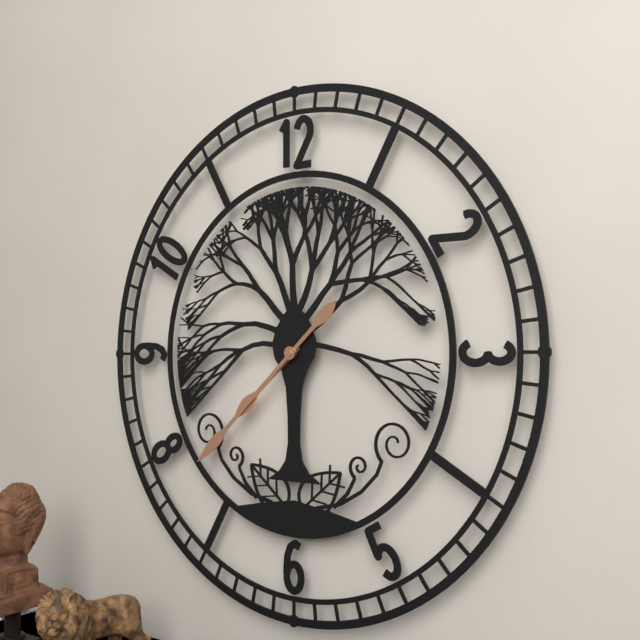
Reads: 7.38
